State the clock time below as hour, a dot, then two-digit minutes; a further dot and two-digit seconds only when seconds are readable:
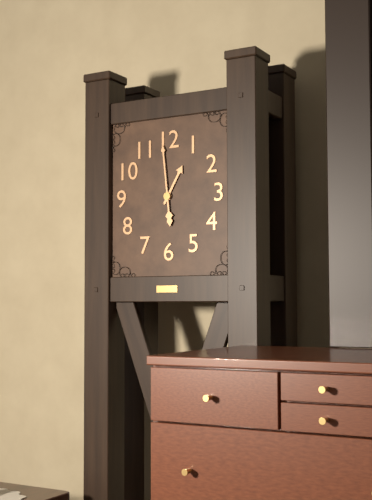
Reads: 12.59
